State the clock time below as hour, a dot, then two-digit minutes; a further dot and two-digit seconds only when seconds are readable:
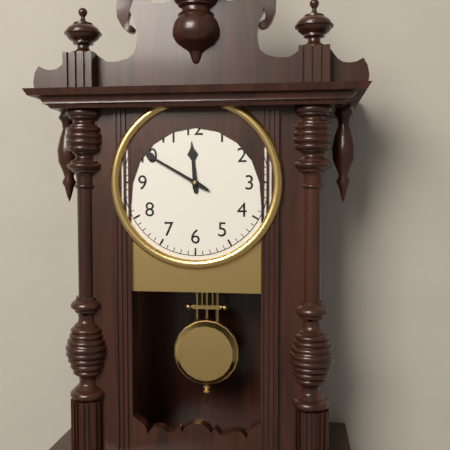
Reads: 11.50
